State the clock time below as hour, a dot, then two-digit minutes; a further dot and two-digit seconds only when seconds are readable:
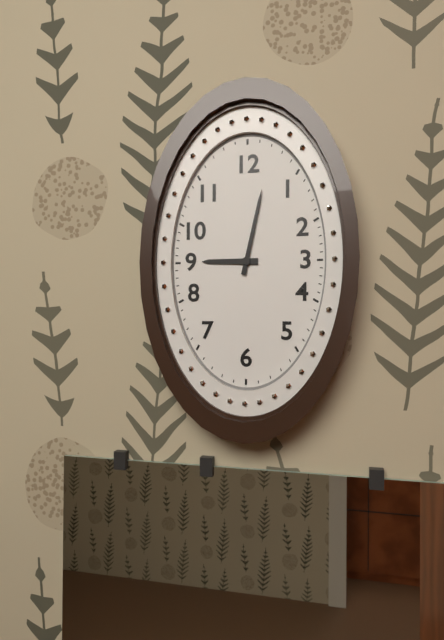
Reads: 9.02
